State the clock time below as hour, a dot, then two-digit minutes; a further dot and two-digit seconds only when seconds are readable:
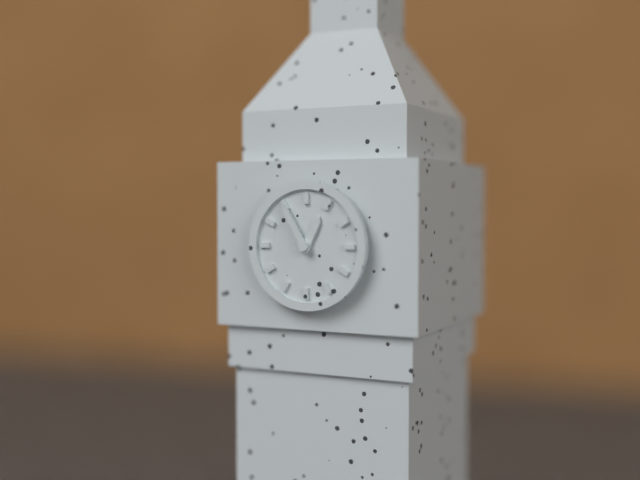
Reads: 12.55
